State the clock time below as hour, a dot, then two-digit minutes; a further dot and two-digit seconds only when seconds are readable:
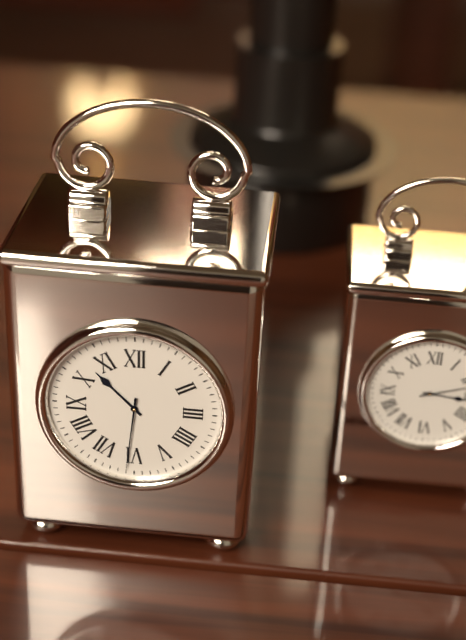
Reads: 10.31
